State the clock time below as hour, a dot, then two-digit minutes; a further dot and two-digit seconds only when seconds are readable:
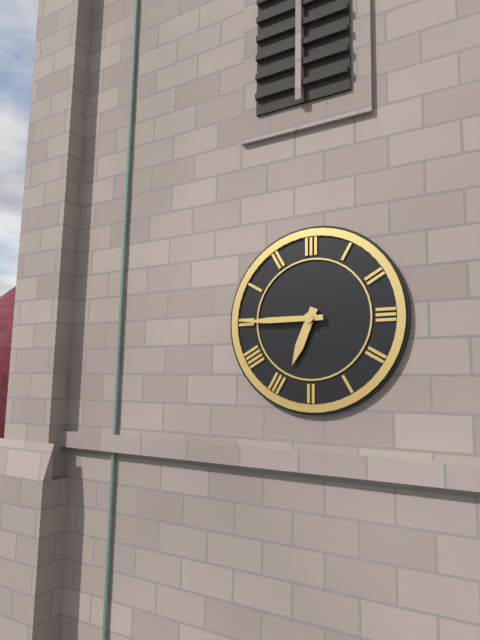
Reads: 6.45
